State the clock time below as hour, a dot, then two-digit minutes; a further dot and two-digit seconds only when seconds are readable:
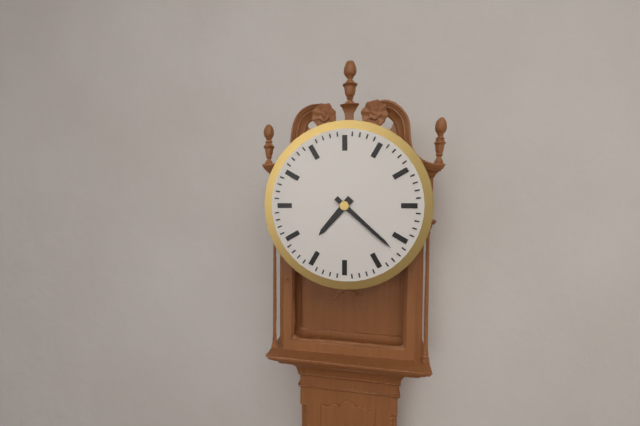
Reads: 7.22
